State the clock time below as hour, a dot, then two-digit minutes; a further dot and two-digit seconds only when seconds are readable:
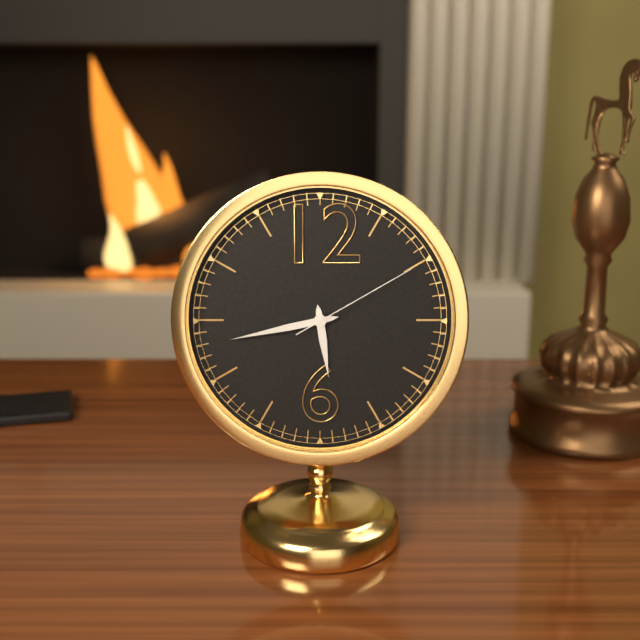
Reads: 5.43.10
